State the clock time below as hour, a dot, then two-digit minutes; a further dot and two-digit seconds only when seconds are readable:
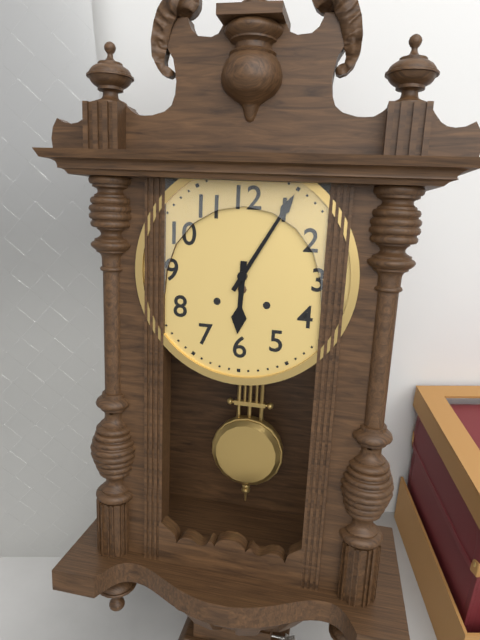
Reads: 6.05
